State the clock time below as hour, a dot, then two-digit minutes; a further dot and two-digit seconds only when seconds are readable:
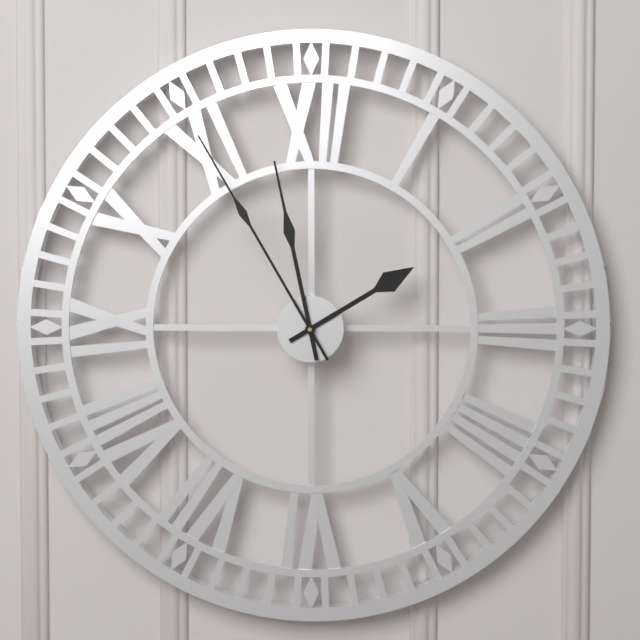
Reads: 1.58.55
